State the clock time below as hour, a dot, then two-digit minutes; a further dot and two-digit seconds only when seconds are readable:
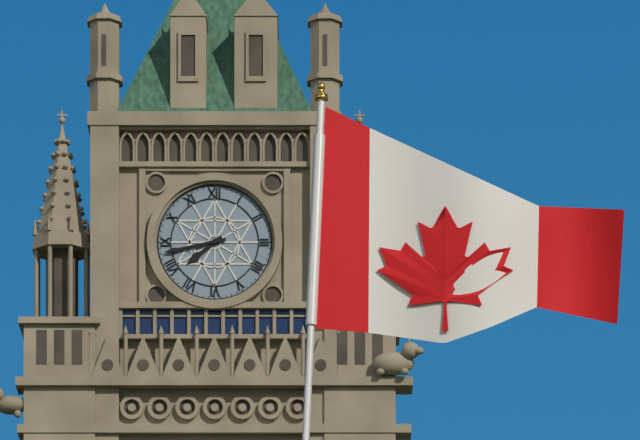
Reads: 7.43
